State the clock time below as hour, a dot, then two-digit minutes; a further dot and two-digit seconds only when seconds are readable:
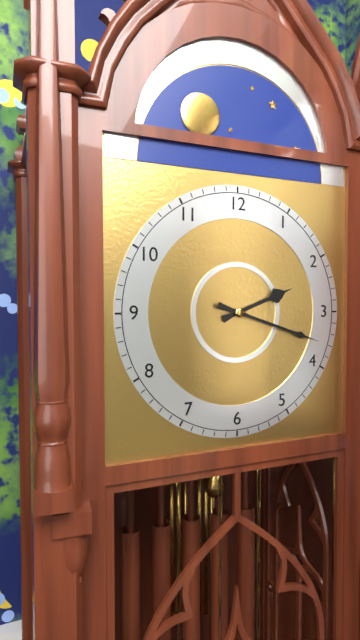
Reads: 2.18
